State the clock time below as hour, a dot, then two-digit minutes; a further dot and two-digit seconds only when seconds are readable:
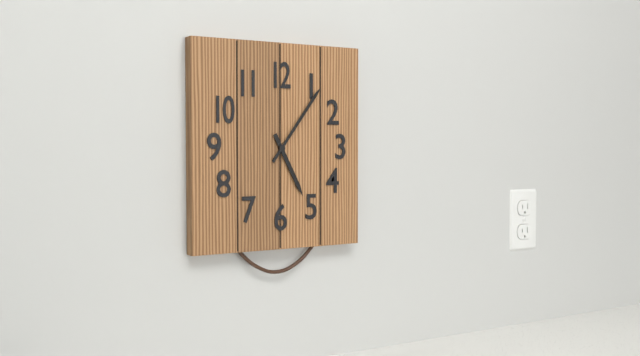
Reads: 5.06
